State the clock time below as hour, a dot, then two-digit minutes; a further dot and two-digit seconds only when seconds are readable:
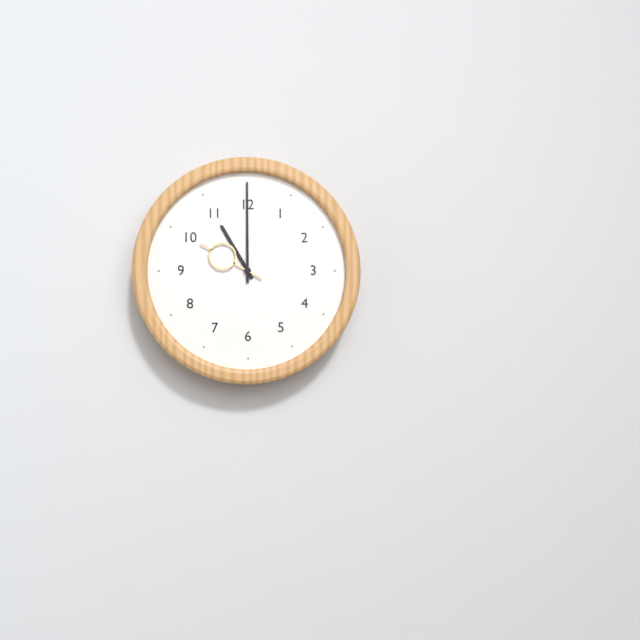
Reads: 11.00.50
